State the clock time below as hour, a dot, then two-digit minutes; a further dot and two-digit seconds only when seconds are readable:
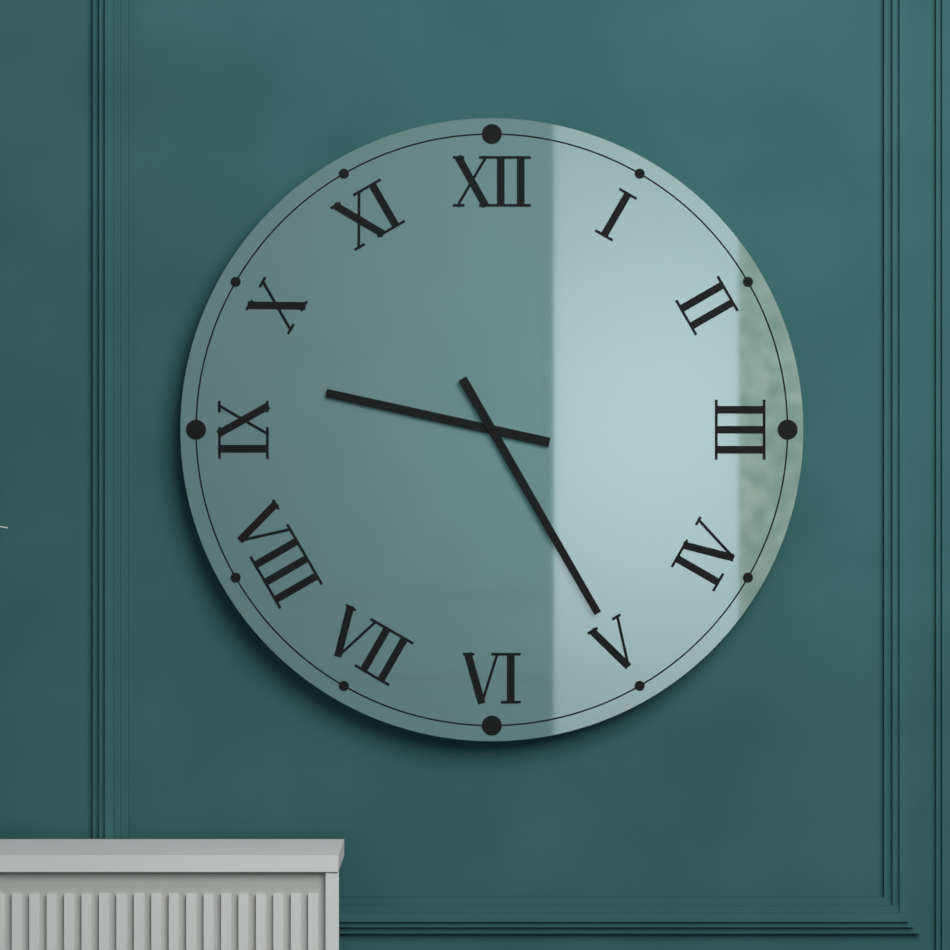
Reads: 9.25
